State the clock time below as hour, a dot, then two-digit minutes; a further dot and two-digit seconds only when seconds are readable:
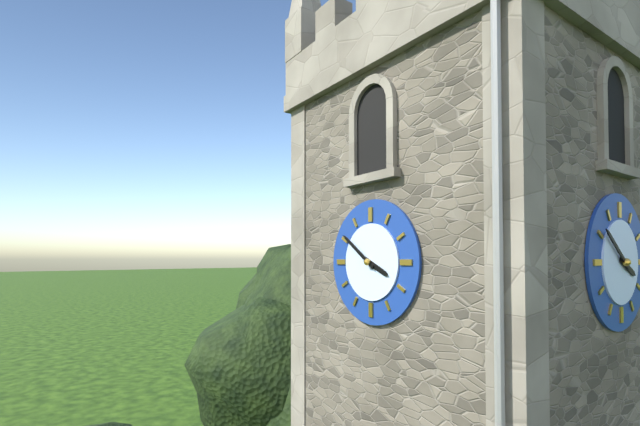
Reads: 3.51
